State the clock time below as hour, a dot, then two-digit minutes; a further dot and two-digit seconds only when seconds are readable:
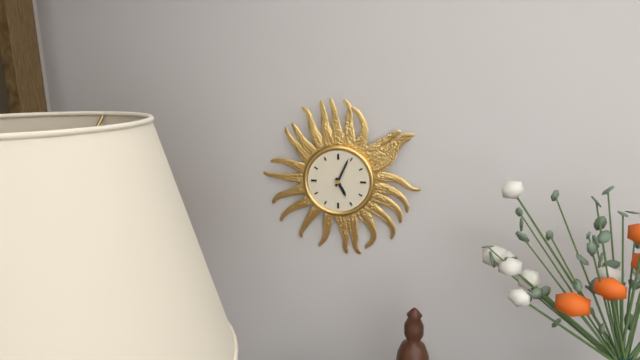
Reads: 5.04
